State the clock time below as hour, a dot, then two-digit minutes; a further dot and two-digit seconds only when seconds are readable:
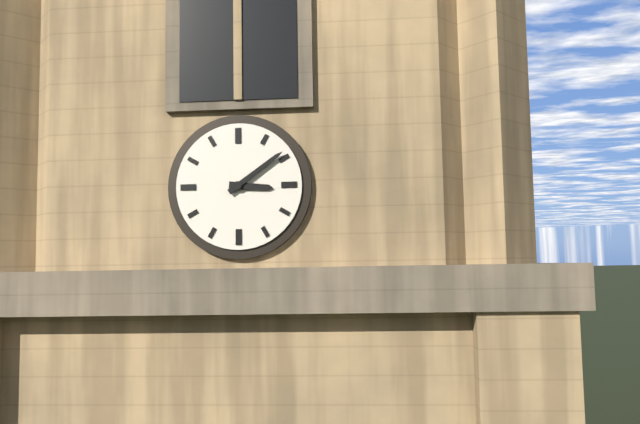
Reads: 3.09
